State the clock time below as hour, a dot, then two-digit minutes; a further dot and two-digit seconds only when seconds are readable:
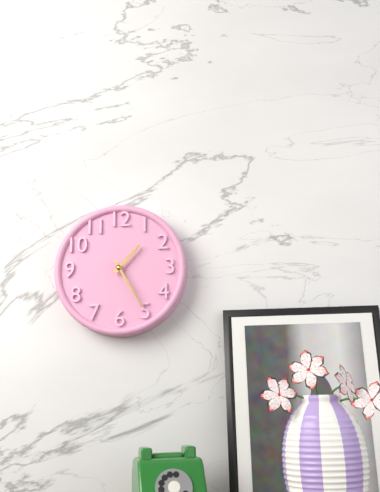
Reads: 1.25
